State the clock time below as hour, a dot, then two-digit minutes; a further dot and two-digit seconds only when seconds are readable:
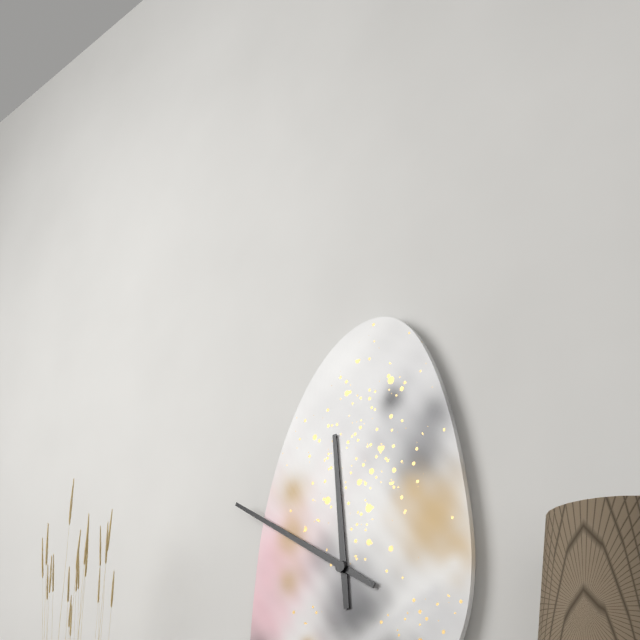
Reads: 11.50
